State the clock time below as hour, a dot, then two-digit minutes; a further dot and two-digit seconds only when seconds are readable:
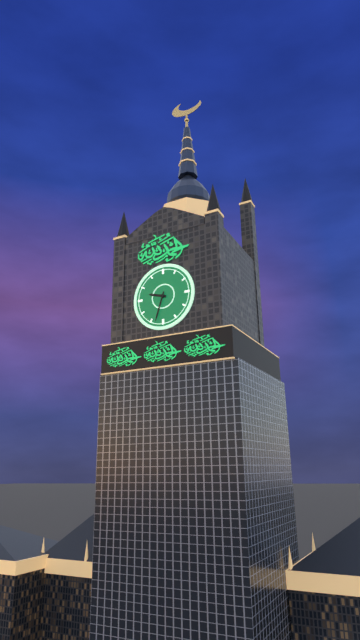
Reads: 9.33
